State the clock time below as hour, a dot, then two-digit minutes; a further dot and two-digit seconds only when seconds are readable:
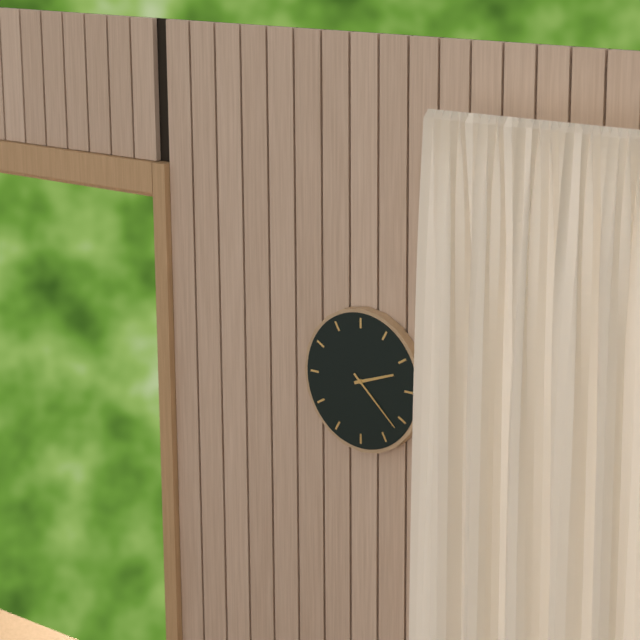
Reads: 2.22
